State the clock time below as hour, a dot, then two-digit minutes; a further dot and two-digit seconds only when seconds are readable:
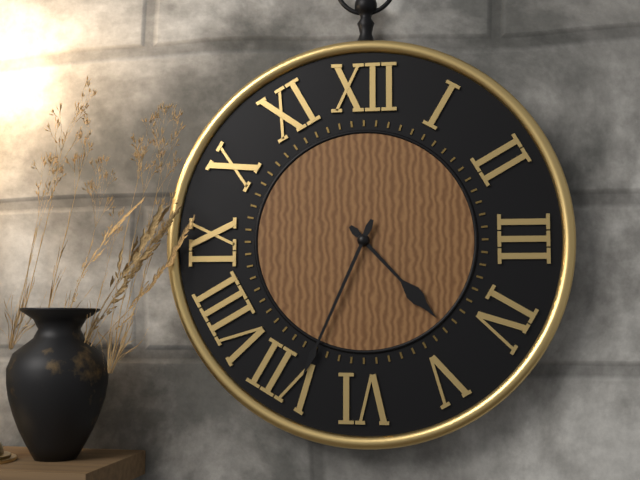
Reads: 4.34
